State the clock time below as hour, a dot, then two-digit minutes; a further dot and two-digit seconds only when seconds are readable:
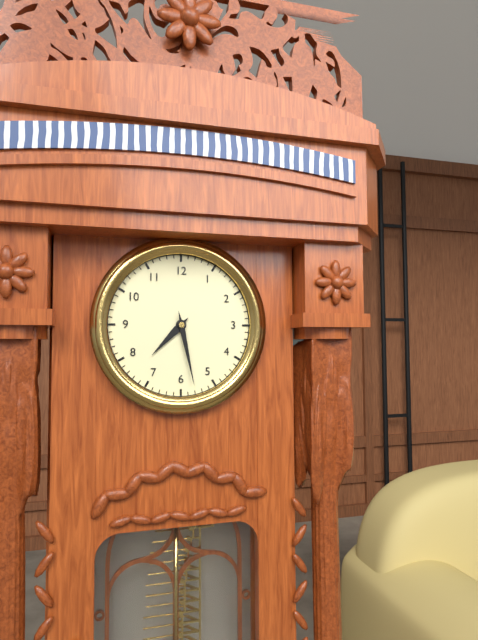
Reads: 7.28
